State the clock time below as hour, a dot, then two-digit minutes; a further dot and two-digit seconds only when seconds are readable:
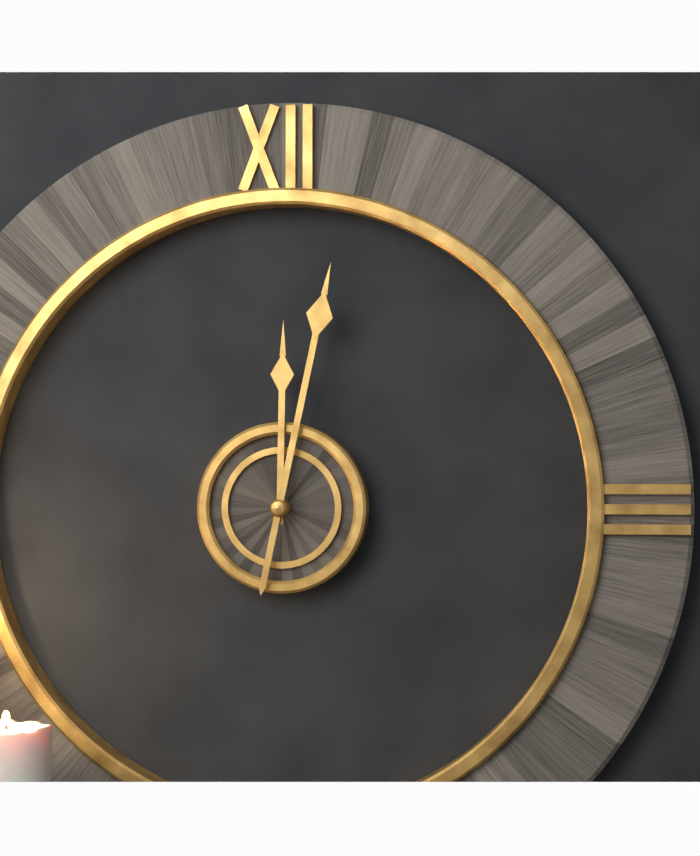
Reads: 12.02
